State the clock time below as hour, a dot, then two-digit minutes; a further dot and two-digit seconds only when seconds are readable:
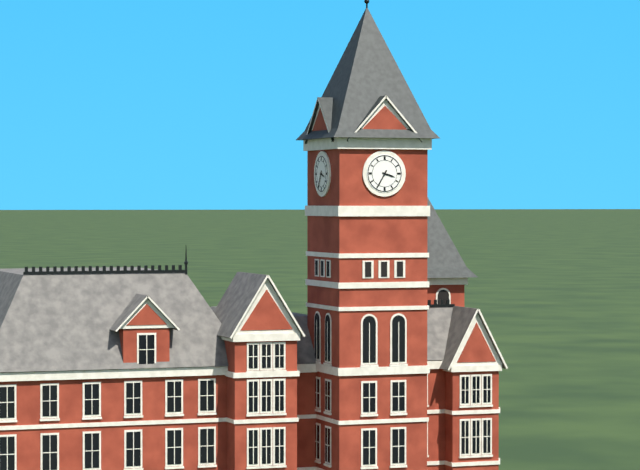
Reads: 3.35
